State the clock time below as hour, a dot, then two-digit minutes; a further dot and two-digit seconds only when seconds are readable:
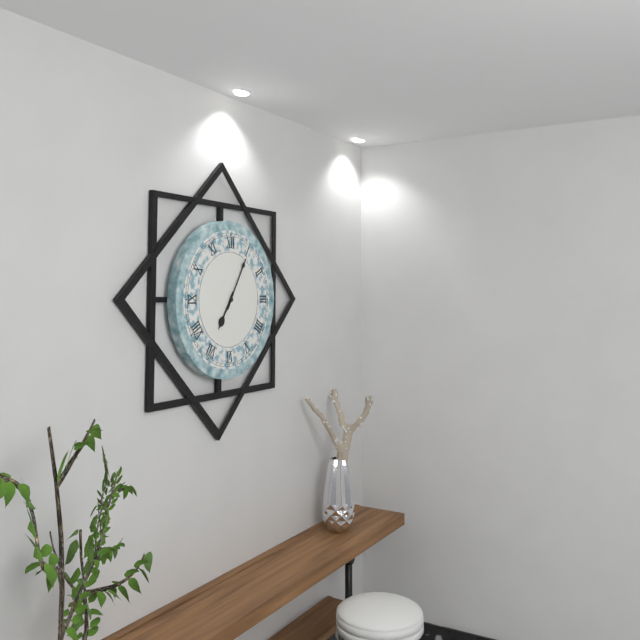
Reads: 7.05
